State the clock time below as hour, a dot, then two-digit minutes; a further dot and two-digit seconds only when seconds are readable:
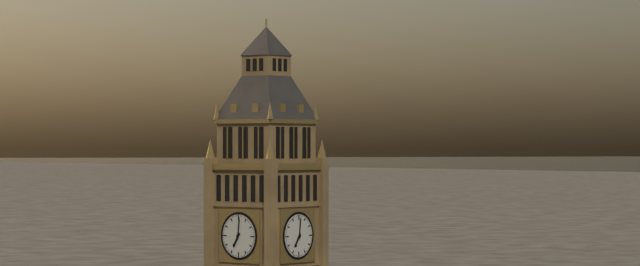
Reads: 7.01
